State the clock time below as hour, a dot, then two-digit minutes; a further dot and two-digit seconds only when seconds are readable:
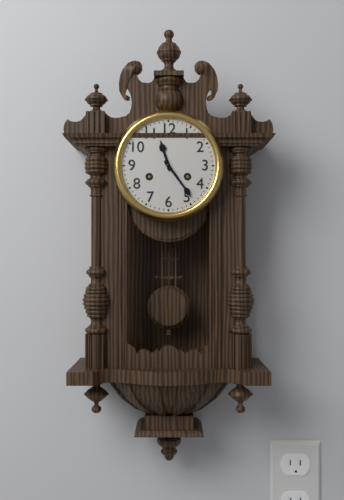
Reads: 11.24
